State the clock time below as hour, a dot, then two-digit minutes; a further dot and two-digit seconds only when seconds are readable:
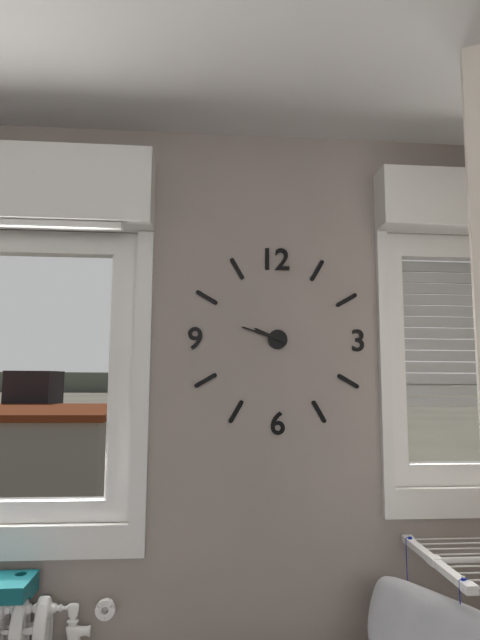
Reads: 9.48
